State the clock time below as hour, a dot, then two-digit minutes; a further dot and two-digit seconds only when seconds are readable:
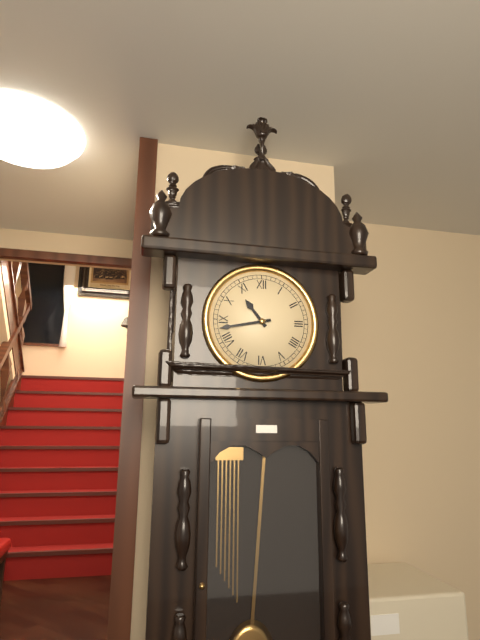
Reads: 10.43
